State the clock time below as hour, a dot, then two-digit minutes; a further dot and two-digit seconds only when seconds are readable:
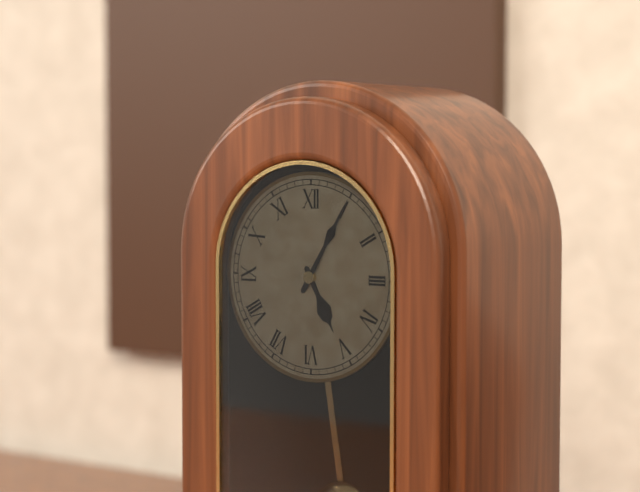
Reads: 5.05
